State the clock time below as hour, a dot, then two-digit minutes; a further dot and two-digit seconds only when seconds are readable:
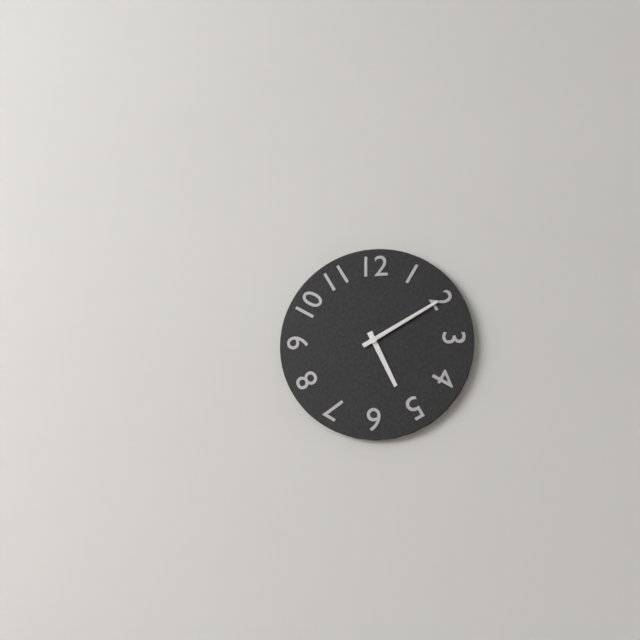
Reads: 5.10
